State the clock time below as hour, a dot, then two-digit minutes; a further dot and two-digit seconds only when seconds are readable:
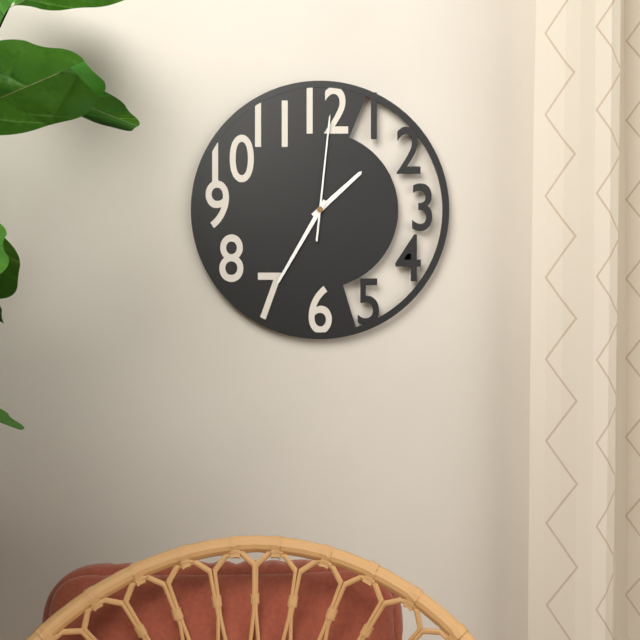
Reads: 1.35.01
